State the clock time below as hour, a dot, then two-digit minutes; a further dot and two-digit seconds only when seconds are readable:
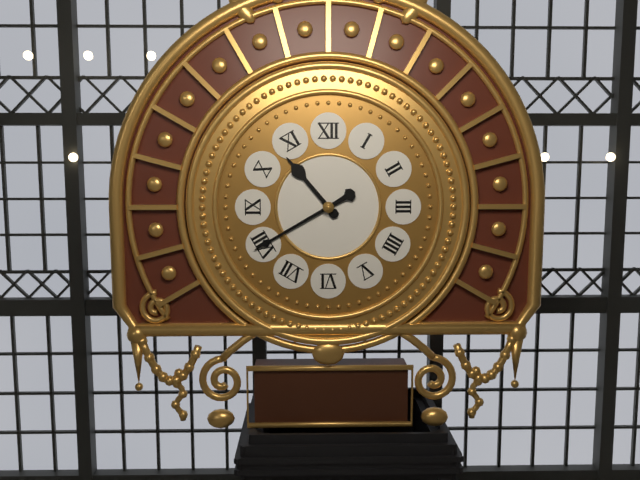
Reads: 10.40
